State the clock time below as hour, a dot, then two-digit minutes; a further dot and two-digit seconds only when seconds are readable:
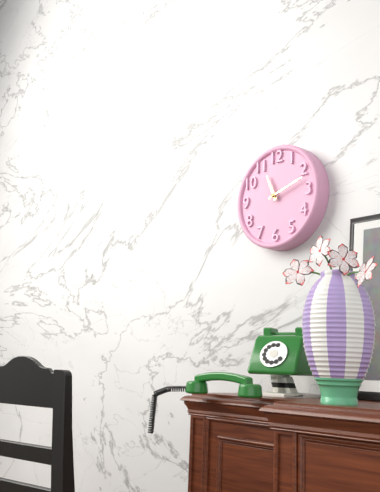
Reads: 11.12
